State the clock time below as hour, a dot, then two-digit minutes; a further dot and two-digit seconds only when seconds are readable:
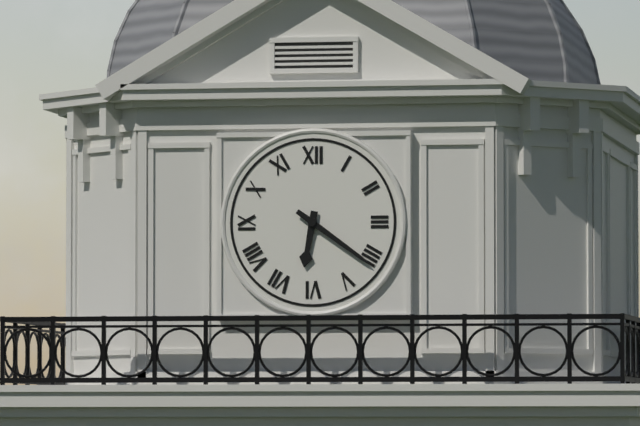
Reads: 6.21
